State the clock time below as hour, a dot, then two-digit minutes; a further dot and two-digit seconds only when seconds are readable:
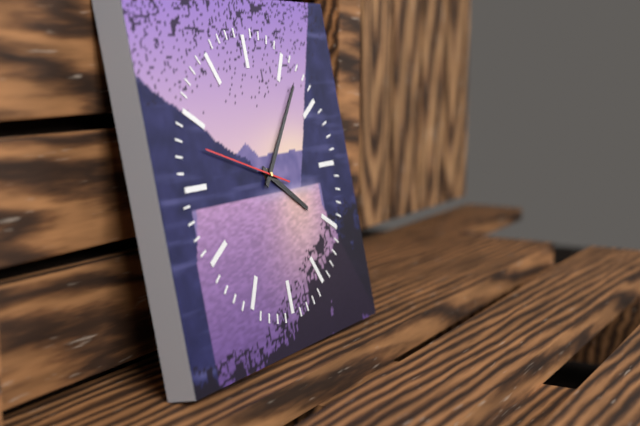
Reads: 4.07.48
